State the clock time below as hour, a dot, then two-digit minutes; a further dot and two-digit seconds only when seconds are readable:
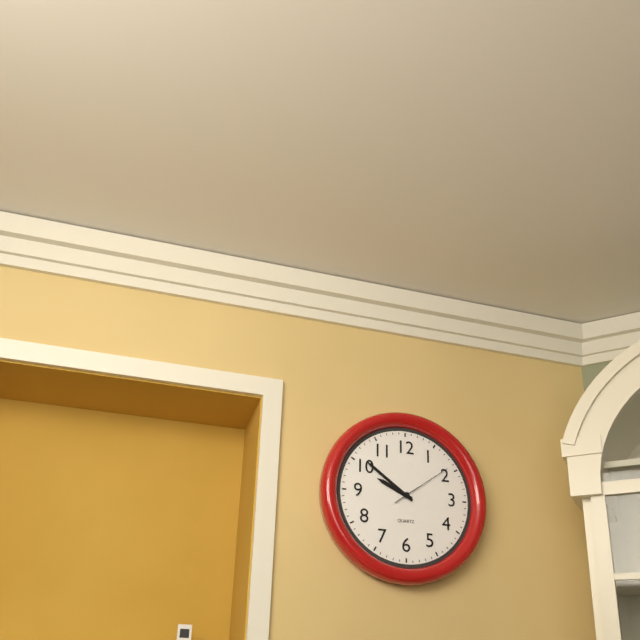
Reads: 9.51.09
